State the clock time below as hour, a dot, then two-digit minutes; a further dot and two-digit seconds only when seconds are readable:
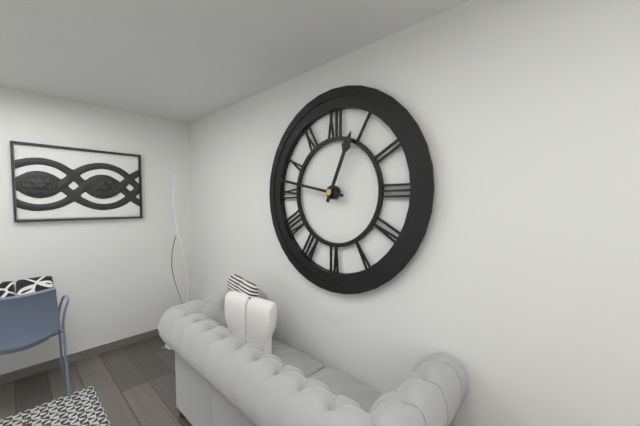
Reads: 12.47
